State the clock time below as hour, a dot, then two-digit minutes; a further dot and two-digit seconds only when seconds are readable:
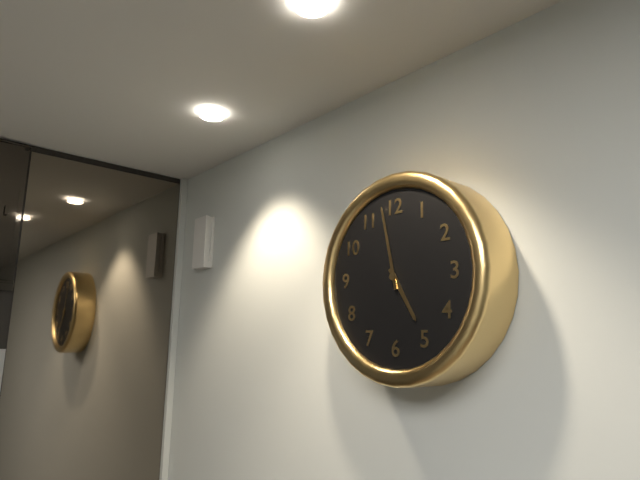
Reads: 4.58
